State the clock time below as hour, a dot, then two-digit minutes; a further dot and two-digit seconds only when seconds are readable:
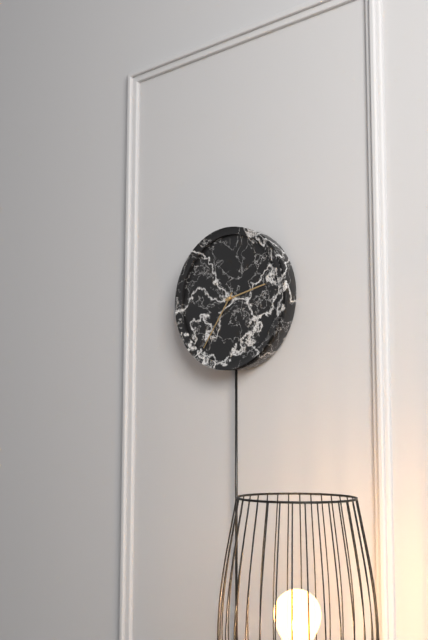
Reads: 2.36
